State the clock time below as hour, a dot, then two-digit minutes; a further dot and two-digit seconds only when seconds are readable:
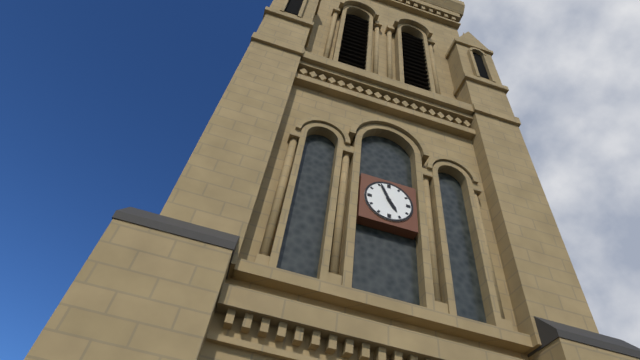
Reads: 4.56
